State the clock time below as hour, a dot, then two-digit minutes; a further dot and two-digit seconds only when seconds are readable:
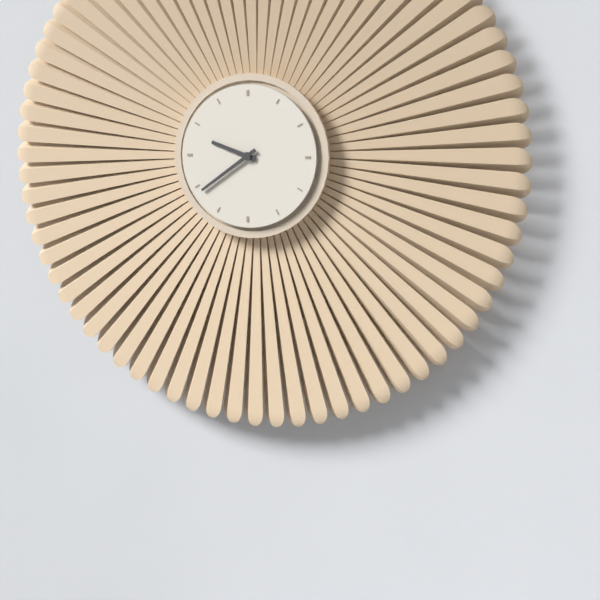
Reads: 9.39
